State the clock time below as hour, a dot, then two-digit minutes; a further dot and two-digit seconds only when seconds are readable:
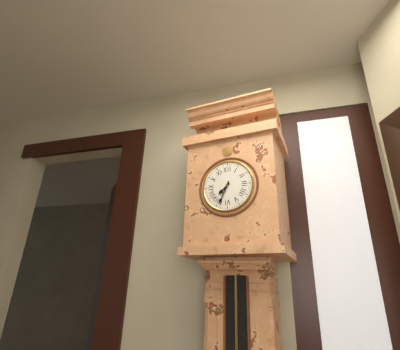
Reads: 7.34
